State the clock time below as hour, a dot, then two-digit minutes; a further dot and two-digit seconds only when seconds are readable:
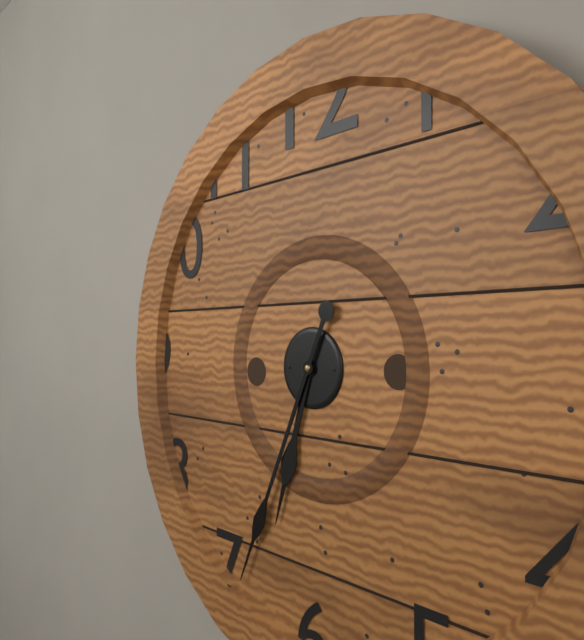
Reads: 6.34
